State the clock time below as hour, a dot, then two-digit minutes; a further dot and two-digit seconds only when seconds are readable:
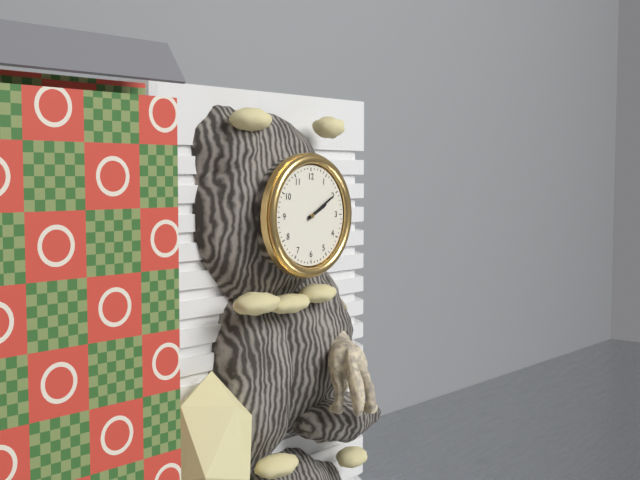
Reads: 2.10
